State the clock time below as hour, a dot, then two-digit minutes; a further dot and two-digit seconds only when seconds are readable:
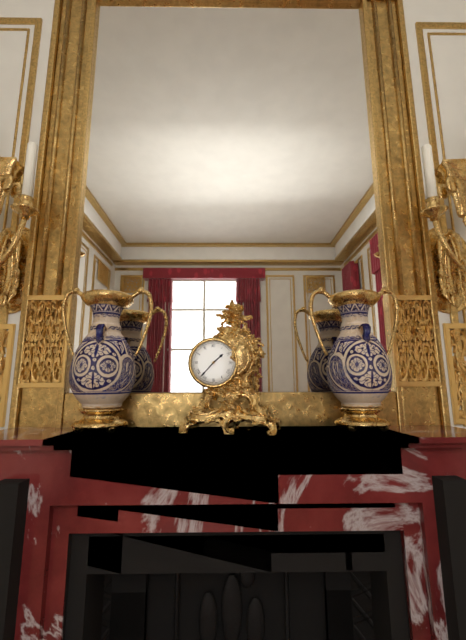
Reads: 1.37
